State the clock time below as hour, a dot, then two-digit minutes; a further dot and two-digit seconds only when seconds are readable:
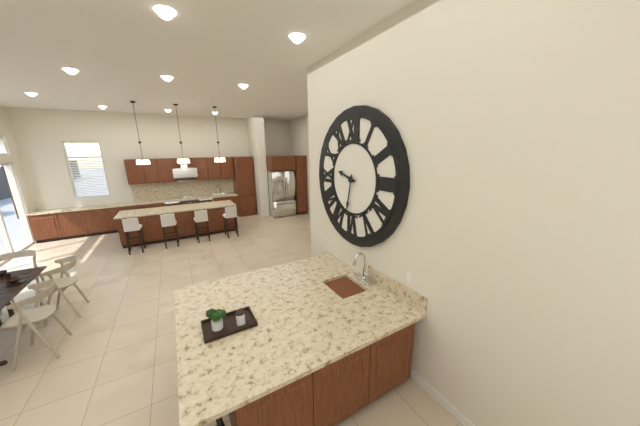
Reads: 9.32
